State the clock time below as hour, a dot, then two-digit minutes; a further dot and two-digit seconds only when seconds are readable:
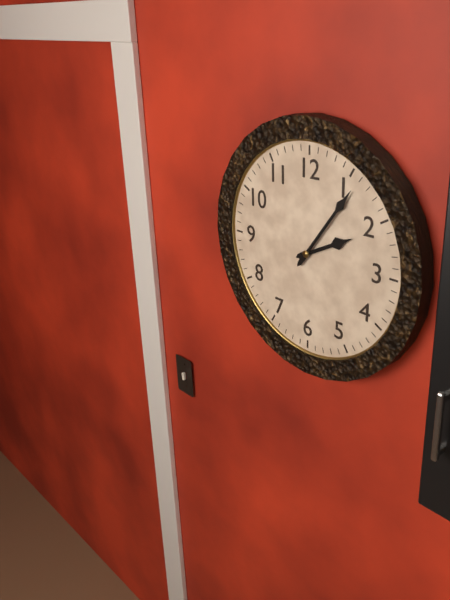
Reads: 2.06
